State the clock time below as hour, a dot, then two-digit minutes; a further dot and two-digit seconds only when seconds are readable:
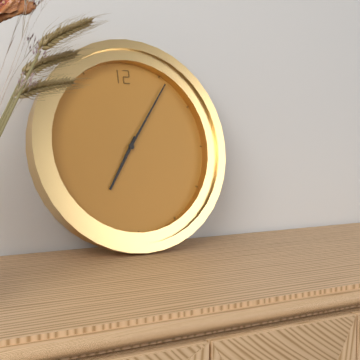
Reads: 7.06
